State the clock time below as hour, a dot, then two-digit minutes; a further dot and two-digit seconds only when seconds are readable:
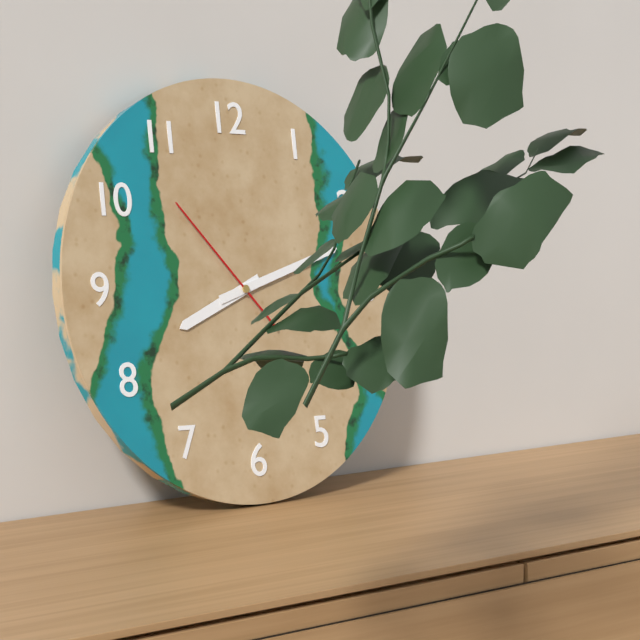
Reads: 8.12.53
